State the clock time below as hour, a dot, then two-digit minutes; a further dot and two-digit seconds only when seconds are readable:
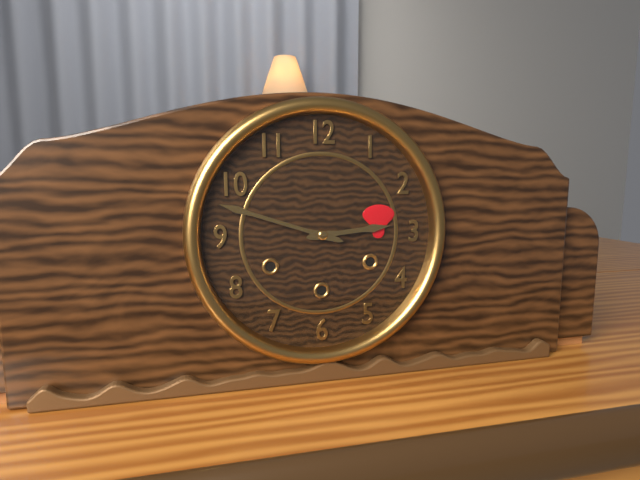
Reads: 2.48
